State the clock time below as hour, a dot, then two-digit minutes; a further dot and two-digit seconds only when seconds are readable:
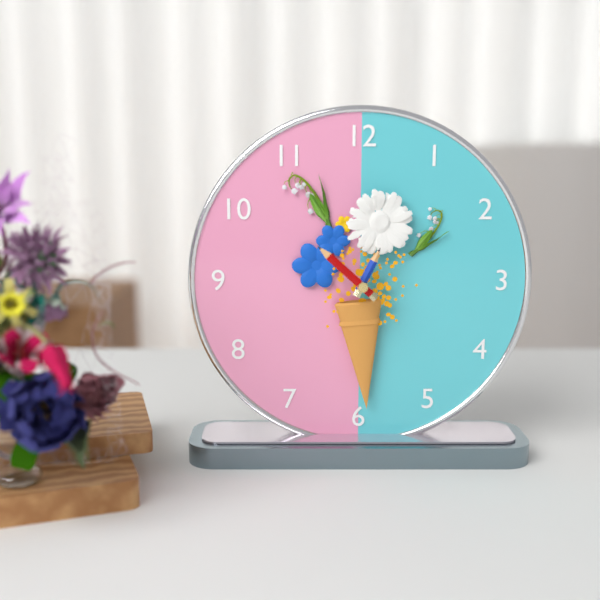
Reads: 12.52
